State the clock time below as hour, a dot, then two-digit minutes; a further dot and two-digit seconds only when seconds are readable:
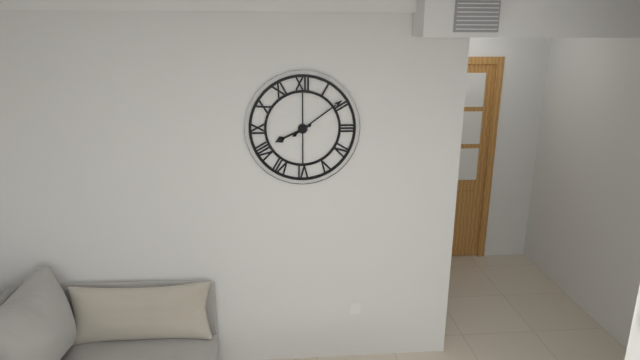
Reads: 8.09
